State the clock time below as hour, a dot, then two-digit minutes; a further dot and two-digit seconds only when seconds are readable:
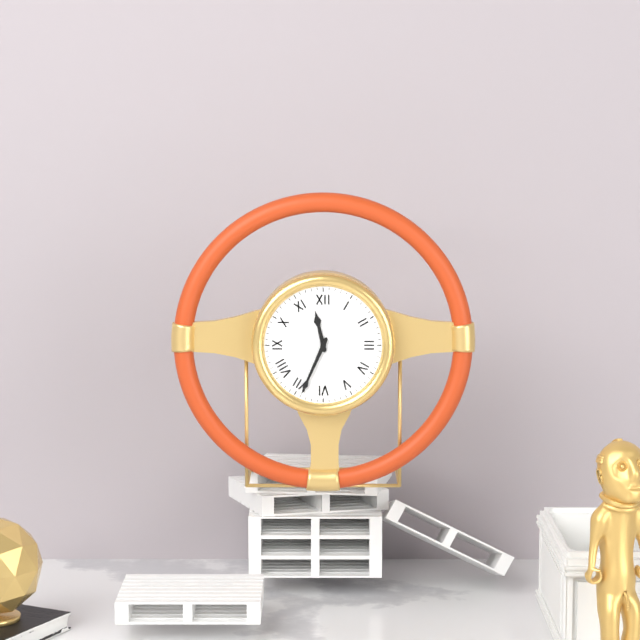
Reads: 11.34
